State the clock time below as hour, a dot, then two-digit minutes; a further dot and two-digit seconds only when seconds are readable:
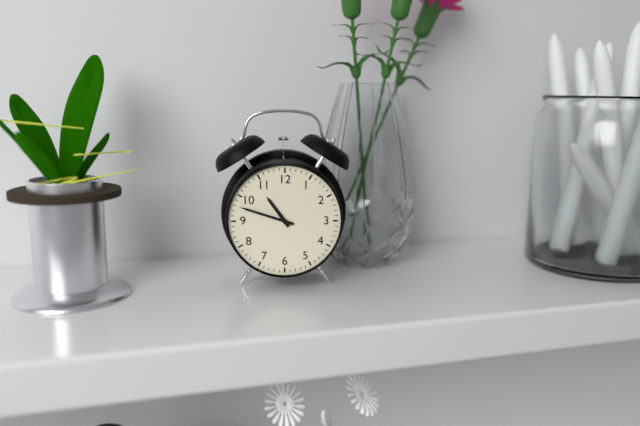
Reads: 10.48
